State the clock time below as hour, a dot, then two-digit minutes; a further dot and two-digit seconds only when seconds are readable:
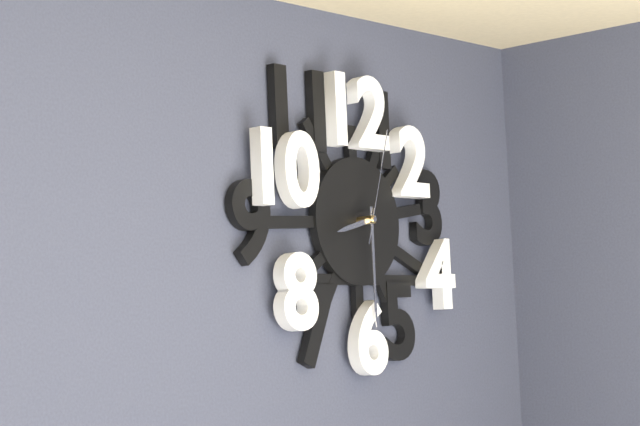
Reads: 8.30.03
